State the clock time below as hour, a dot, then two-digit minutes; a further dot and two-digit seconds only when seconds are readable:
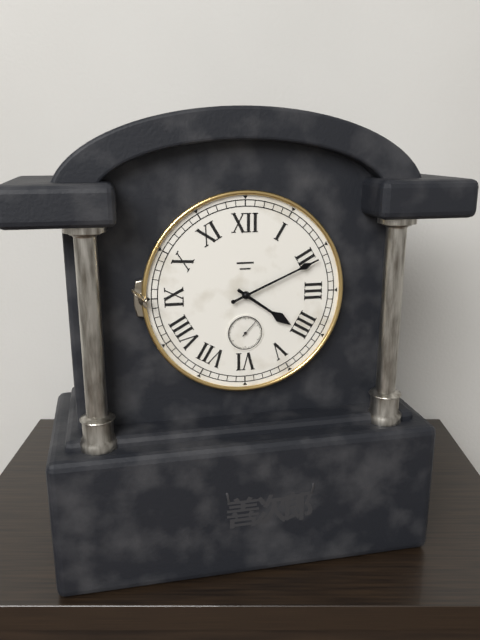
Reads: 4.11
